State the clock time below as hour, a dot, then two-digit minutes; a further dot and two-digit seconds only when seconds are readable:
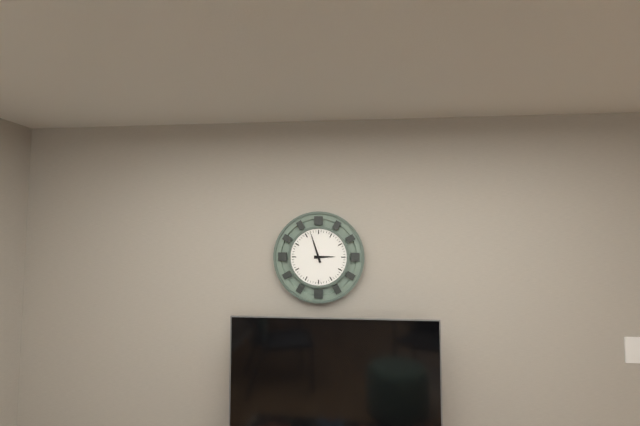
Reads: 2.57
